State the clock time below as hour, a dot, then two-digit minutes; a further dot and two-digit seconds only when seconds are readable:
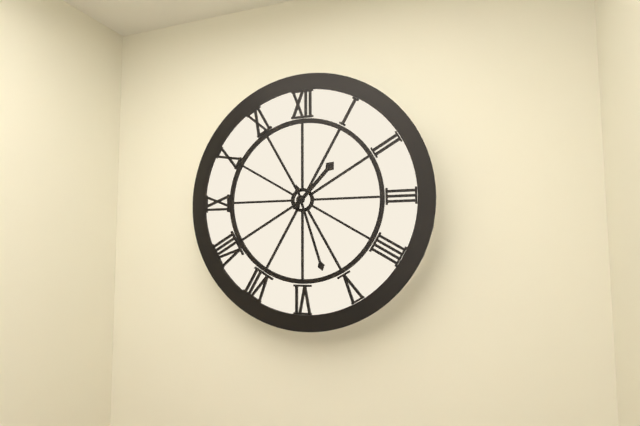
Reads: 1.27
